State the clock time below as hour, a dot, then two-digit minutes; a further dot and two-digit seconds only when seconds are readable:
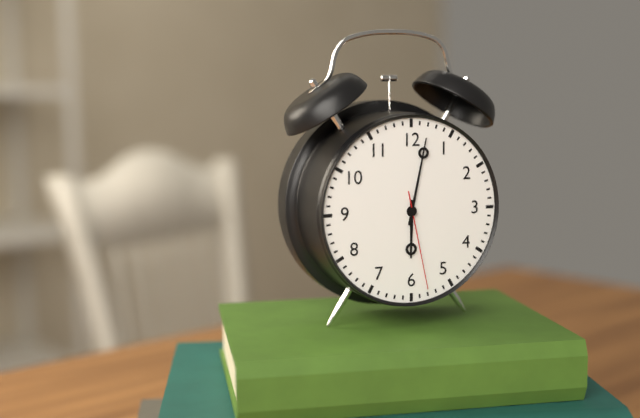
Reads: 6.02.28
